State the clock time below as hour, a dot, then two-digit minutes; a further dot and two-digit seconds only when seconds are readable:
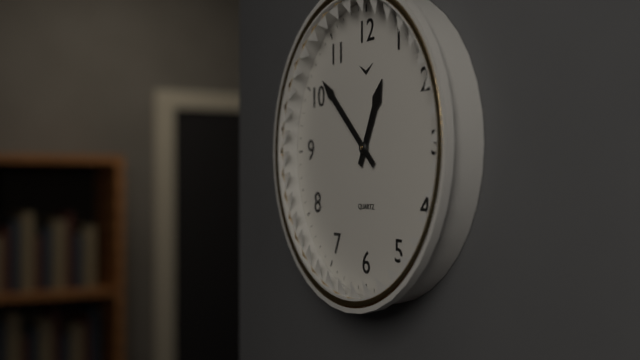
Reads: 12.52
